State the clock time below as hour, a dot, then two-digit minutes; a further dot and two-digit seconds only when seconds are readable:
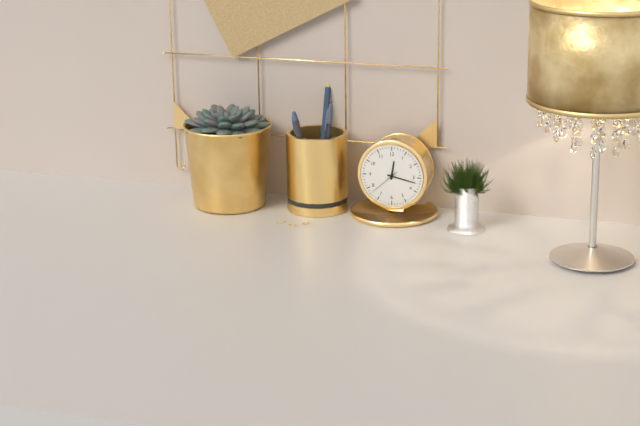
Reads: 12.17
